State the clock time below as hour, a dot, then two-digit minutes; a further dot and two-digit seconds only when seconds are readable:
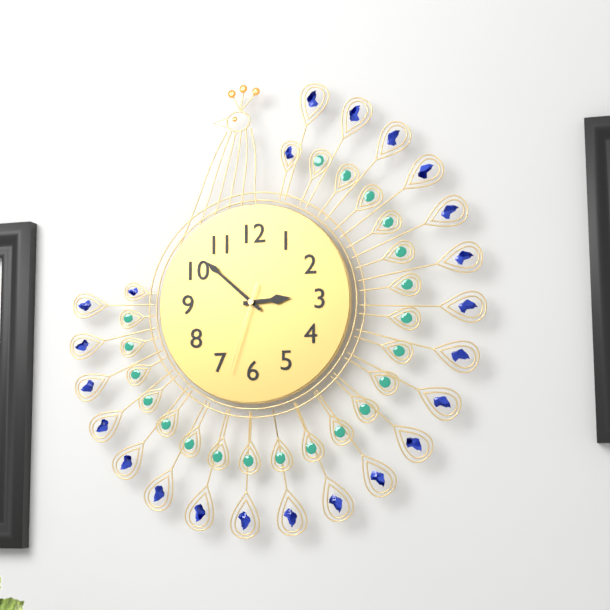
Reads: 2.52.33
